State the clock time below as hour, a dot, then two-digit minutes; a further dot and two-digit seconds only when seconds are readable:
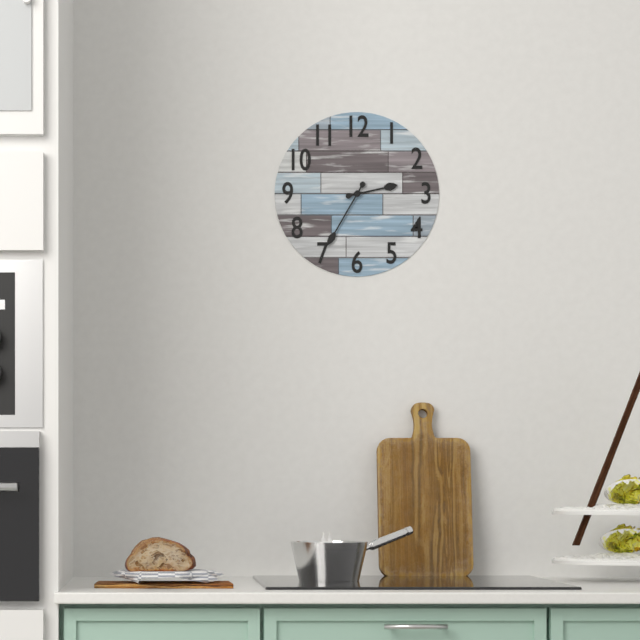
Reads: 2.35
